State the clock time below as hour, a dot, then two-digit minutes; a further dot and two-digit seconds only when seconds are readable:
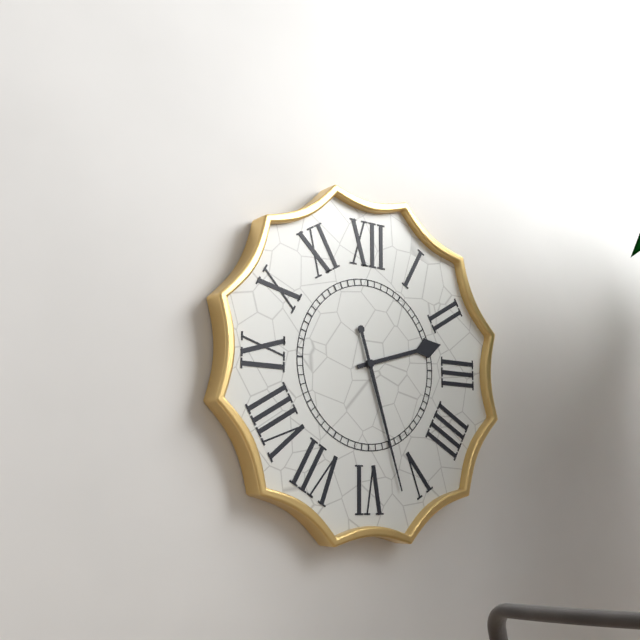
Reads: 2.27
